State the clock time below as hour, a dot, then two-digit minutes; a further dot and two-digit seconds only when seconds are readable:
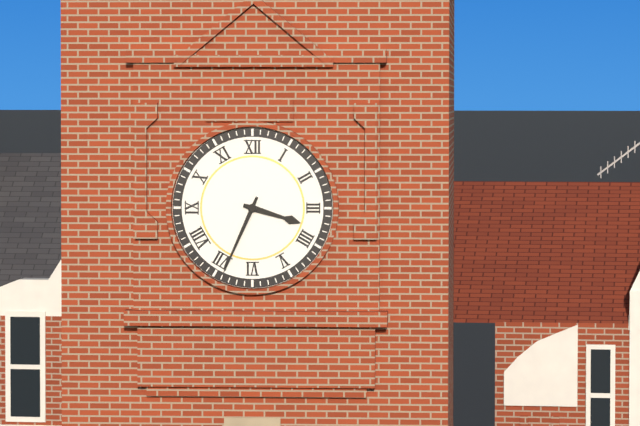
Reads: 3.34
